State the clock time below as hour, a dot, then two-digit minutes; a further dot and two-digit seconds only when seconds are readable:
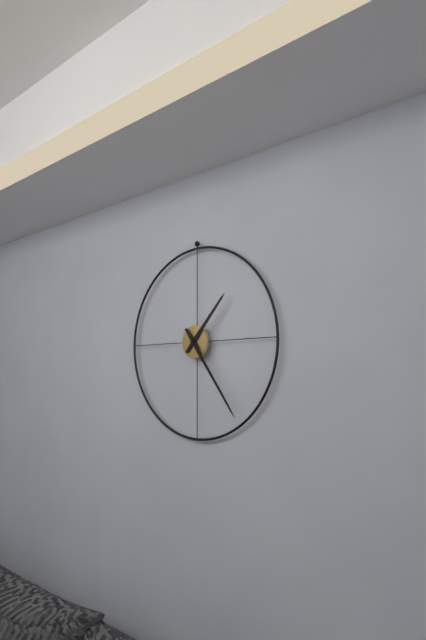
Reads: 1.24
